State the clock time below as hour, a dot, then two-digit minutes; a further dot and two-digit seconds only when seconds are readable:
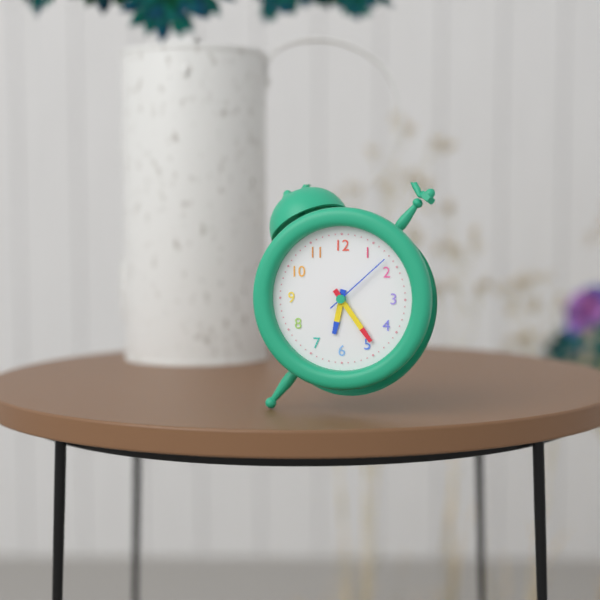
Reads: 6.24.08
